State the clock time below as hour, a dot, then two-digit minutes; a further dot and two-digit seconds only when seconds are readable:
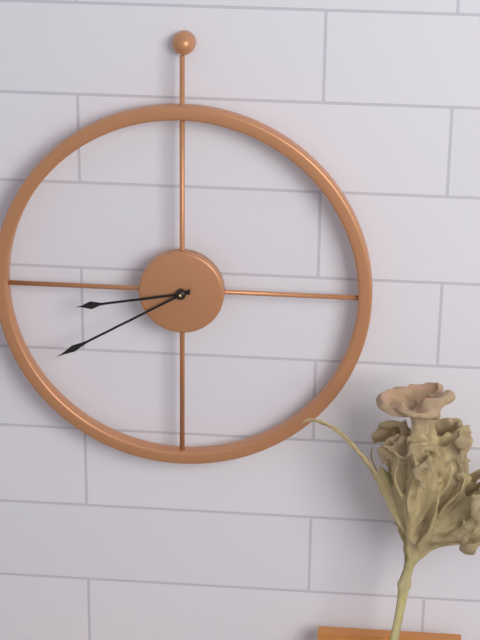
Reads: 8.40
